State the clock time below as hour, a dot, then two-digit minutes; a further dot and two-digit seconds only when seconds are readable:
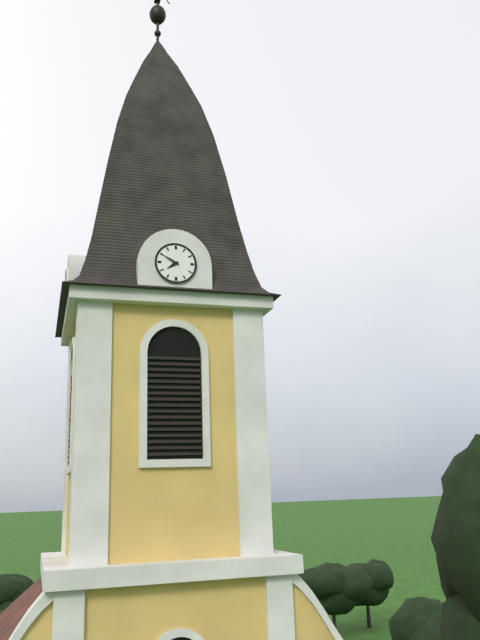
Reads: 7.50
